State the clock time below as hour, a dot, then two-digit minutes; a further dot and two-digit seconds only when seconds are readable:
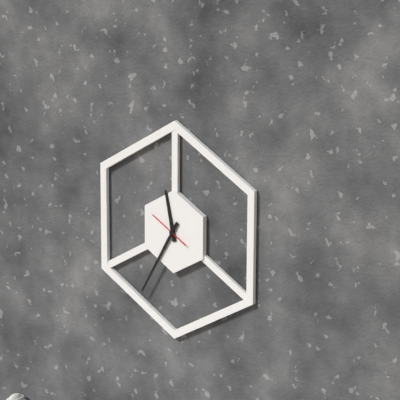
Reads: 11.35
